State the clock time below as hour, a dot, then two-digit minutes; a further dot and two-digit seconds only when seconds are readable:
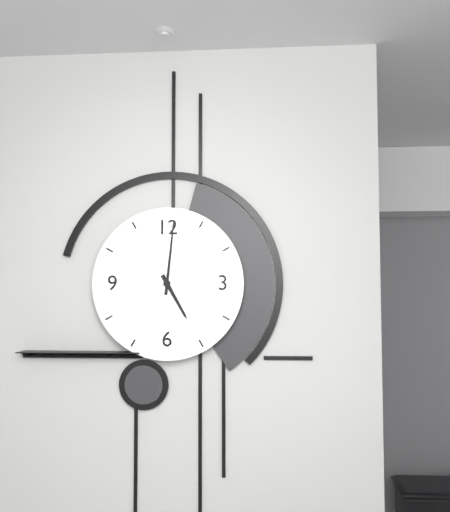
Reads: 5.01
